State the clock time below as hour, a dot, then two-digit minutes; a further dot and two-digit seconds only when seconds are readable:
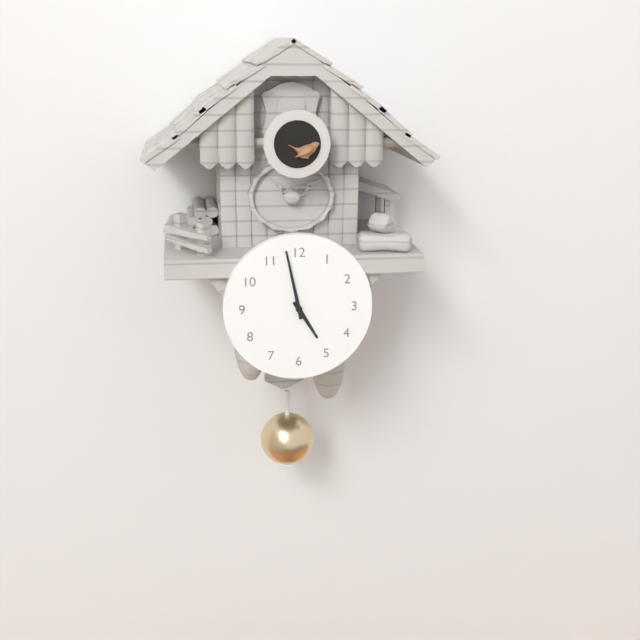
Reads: 4.58
